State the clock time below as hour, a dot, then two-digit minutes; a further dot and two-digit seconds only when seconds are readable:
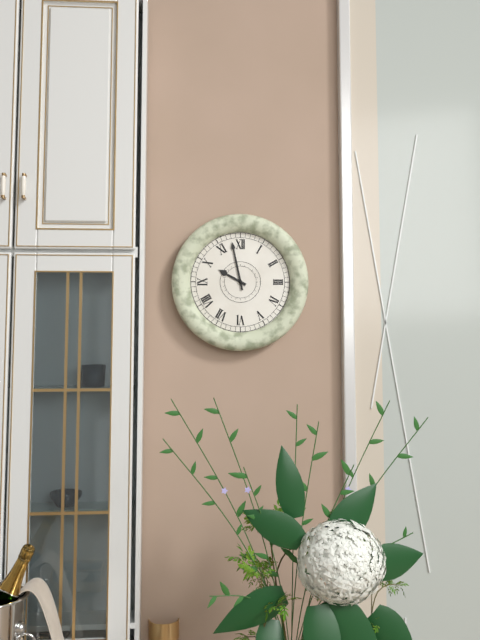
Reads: 9.58
